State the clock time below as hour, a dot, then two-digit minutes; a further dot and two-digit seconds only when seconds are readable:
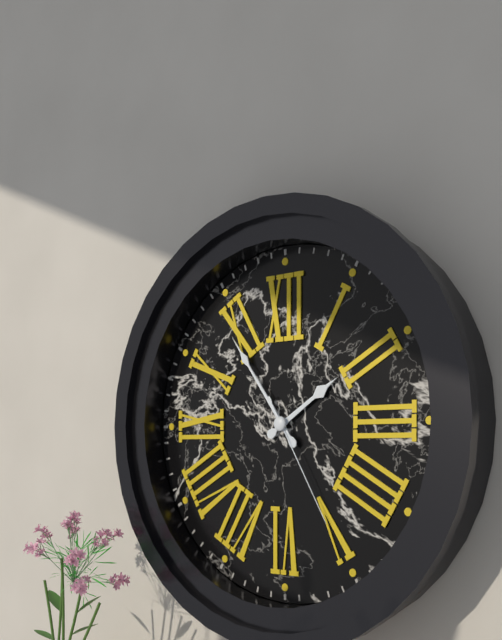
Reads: 1.54.25
